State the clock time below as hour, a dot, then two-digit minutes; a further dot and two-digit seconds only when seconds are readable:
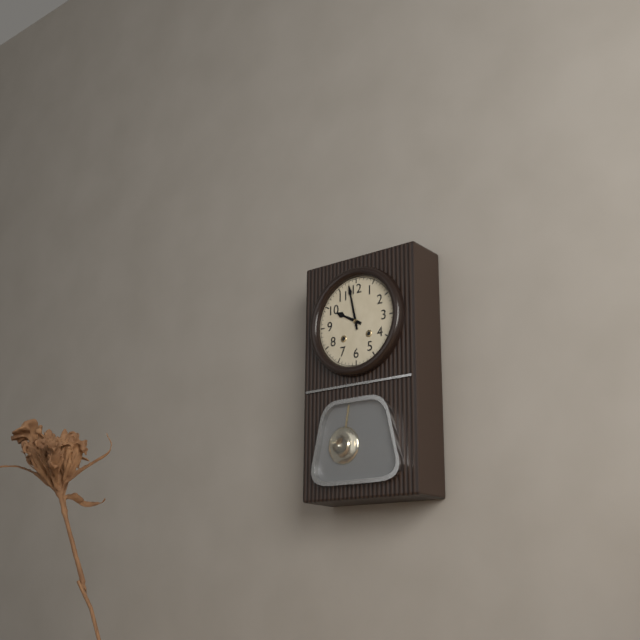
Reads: 9.58
